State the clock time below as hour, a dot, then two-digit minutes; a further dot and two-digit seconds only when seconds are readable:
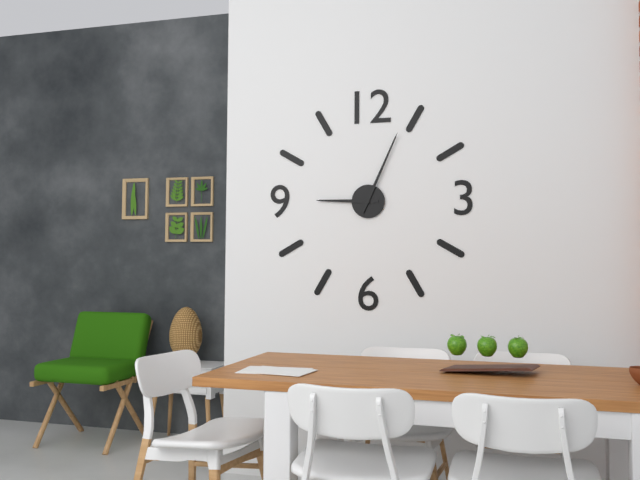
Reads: 9.04
